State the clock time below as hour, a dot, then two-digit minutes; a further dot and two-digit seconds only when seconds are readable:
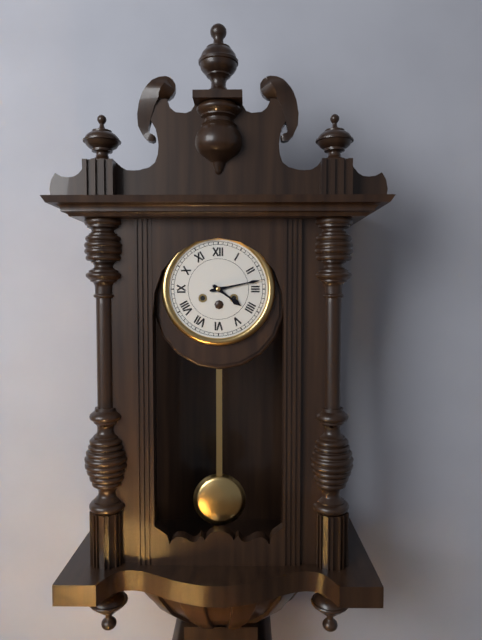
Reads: 4.13
